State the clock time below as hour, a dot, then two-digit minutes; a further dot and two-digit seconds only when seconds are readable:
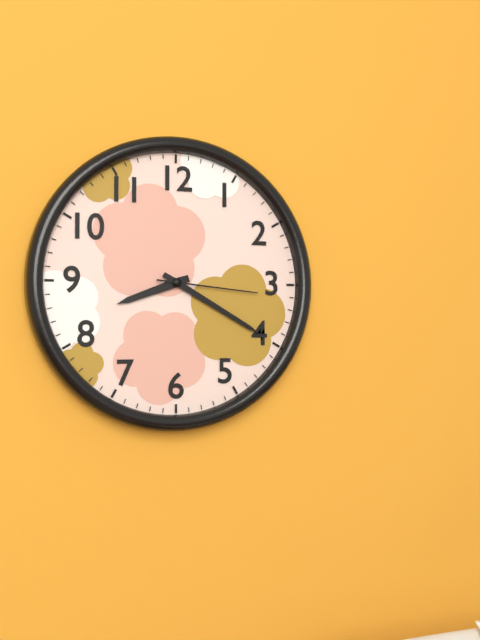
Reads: 8.20.16
